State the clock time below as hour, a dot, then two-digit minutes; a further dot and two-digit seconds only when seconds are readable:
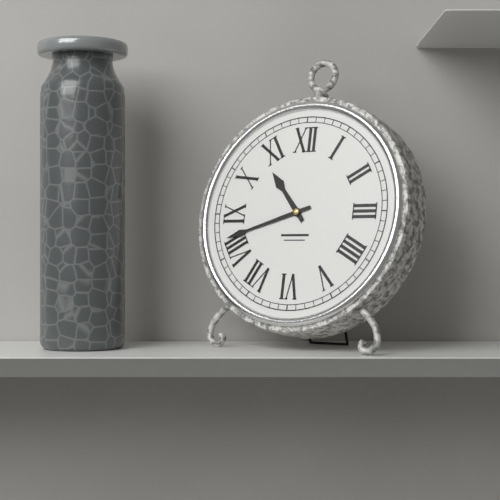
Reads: 10.42
